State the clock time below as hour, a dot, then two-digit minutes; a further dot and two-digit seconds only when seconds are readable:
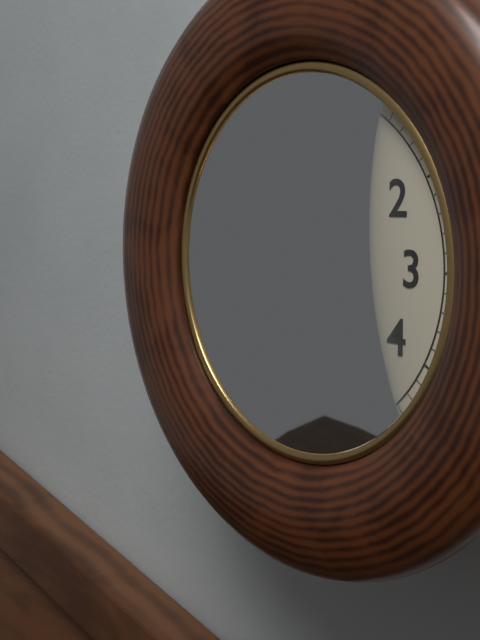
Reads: 4.23
